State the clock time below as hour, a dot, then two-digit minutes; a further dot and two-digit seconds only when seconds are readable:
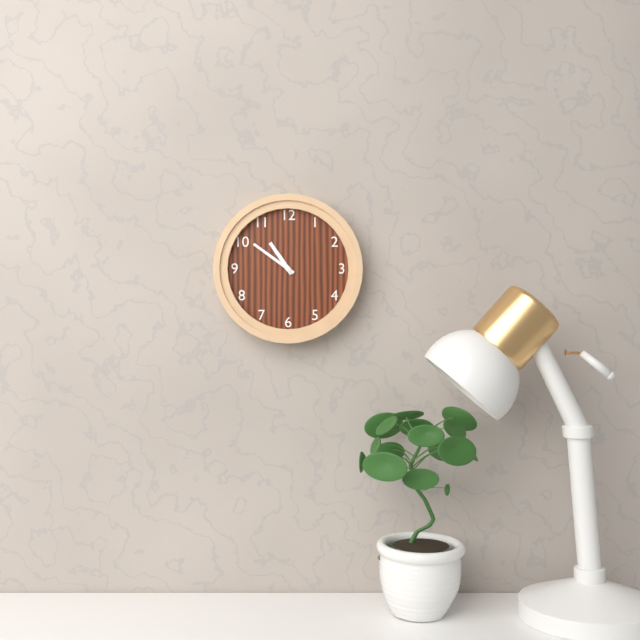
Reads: 10.51
